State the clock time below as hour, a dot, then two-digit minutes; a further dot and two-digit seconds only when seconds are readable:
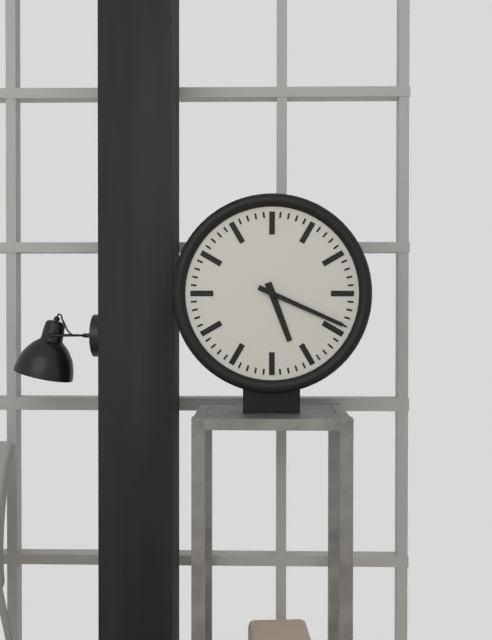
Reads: 5.19
